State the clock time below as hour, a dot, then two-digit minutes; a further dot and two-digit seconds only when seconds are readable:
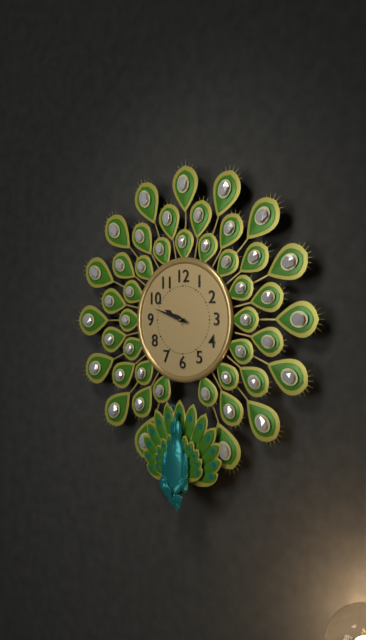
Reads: 9.48
